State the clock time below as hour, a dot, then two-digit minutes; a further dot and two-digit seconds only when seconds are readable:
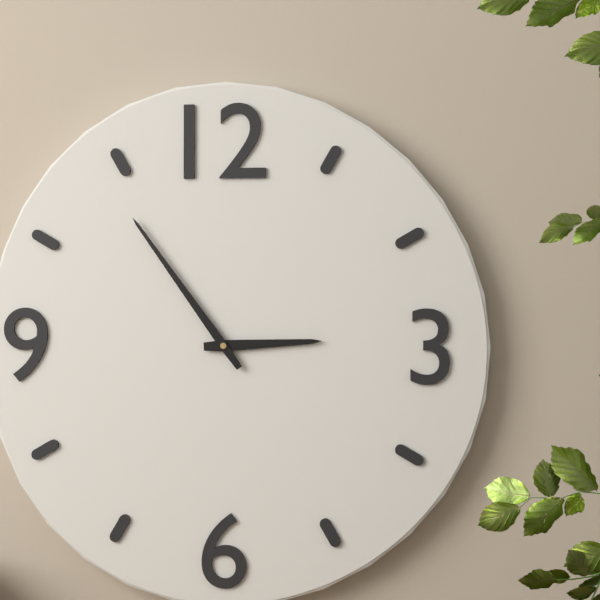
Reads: 2.54
